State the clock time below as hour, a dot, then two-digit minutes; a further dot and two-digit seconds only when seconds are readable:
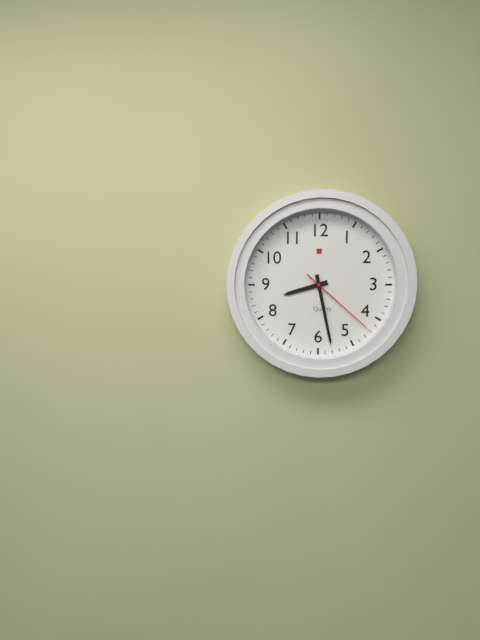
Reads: 8.28.22
